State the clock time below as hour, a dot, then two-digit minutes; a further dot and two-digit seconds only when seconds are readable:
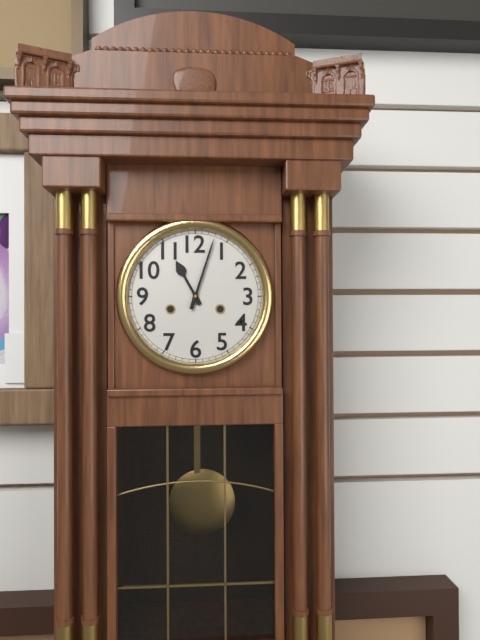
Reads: 11.03
